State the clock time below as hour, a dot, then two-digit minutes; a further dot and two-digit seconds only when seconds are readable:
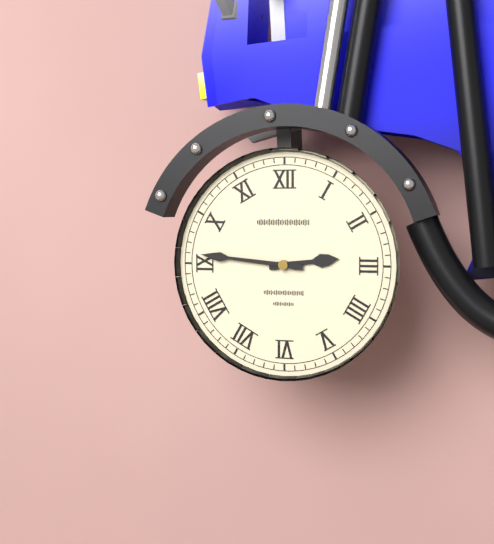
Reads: 2.46
